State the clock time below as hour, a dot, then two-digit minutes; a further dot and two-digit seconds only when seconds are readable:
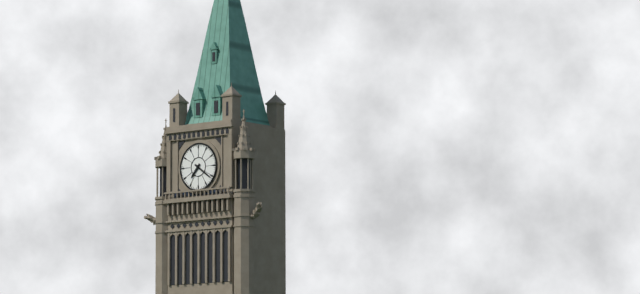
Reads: 7.21
